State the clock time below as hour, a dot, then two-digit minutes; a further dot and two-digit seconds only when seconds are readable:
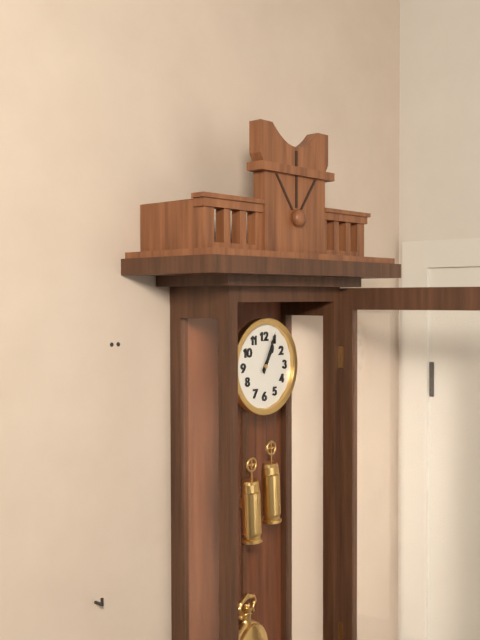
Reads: 1.04
